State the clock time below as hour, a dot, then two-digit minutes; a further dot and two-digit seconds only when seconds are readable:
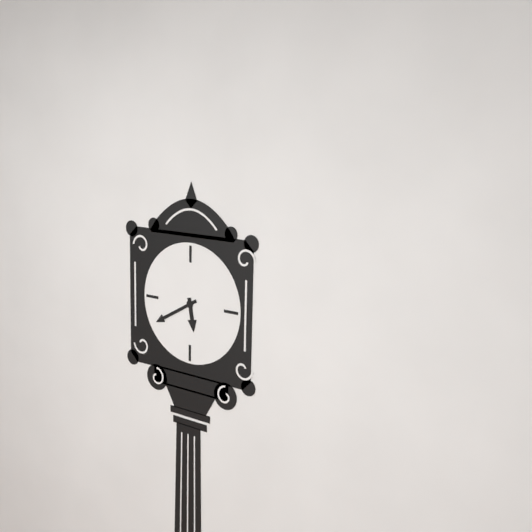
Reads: 5.40
